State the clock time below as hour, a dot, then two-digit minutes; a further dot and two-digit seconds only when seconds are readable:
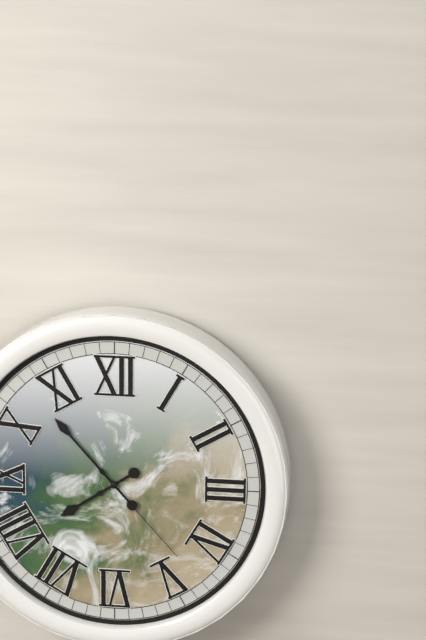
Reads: 7.53.23
